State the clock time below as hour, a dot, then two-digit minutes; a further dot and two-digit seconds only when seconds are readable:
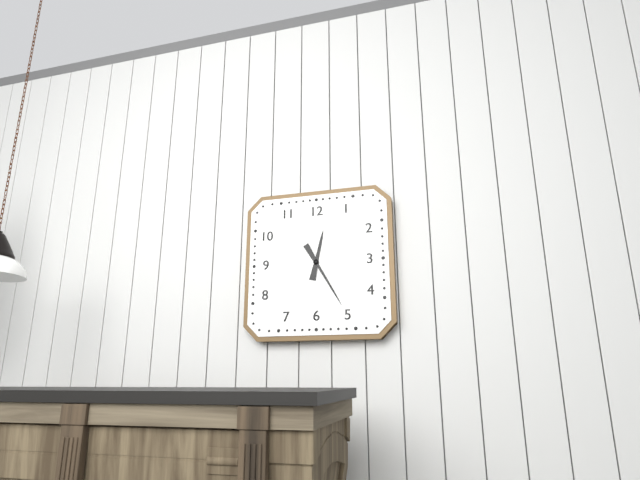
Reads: 12.25
